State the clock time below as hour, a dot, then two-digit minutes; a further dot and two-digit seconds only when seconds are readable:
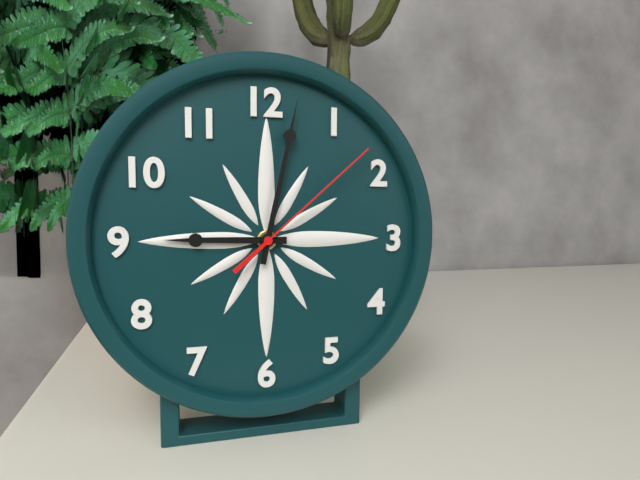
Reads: 9.02.08
